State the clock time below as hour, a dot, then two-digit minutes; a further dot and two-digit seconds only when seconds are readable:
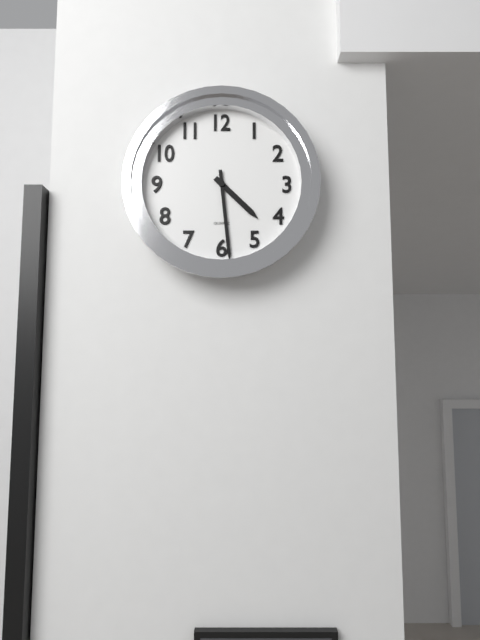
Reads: 4.29
